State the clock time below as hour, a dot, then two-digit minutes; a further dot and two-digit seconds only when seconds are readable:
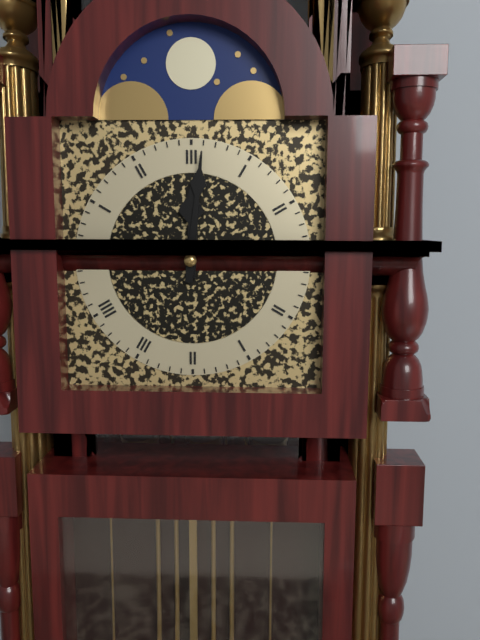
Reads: 12.01
